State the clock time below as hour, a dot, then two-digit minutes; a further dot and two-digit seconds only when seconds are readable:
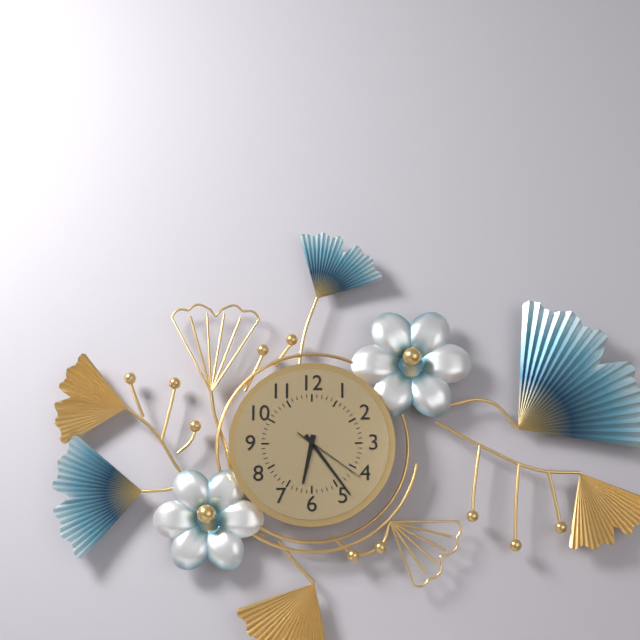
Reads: 6.24.21
